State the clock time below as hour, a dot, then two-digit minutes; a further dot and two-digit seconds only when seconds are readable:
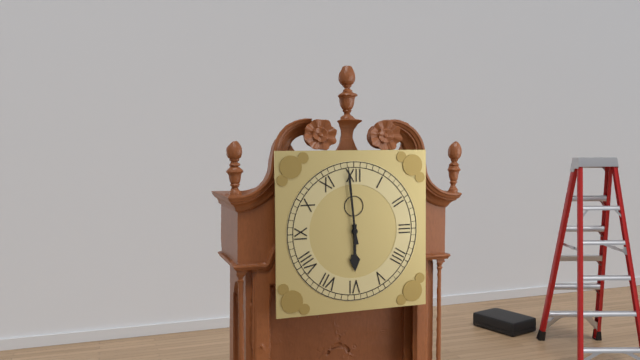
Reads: 5.59
